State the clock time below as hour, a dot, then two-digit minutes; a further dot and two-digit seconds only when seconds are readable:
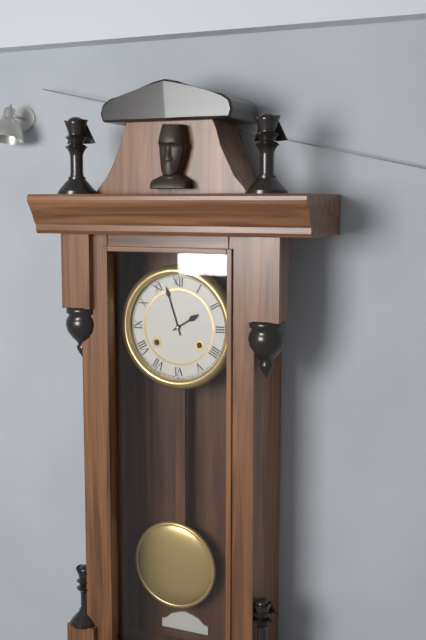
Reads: 1.57
